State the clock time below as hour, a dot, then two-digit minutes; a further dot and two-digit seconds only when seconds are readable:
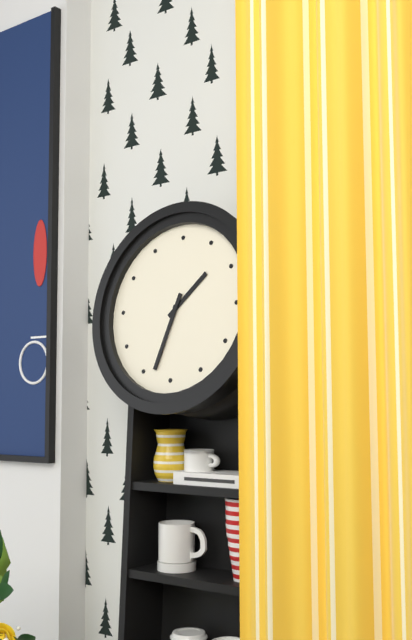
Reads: 1.33
